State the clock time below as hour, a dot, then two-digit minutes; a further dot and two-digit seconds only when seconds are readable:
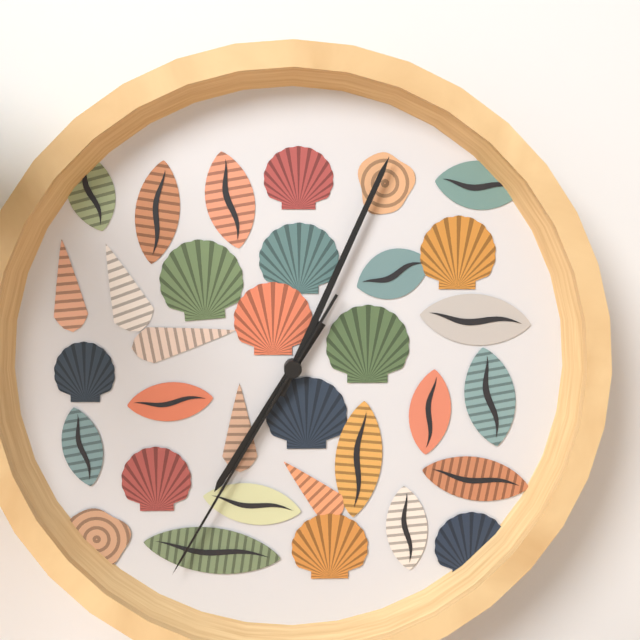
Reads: 7.04.35
